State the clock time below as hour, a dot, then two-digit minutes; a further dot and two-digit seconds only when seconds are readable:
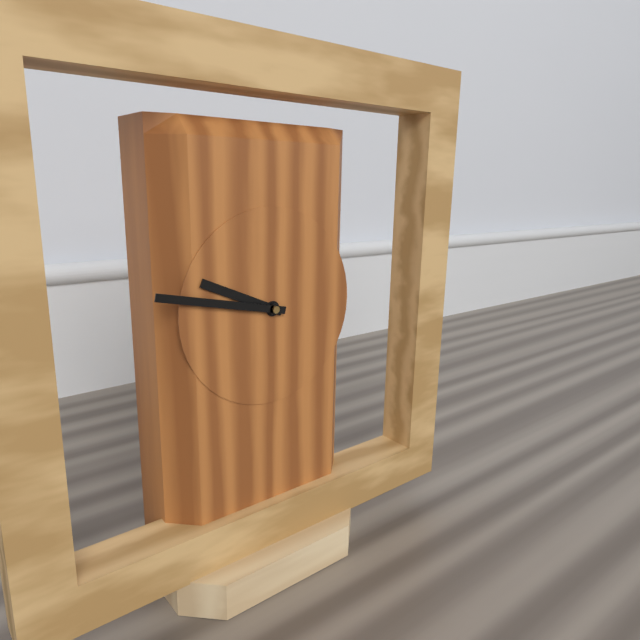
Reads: 9.47
